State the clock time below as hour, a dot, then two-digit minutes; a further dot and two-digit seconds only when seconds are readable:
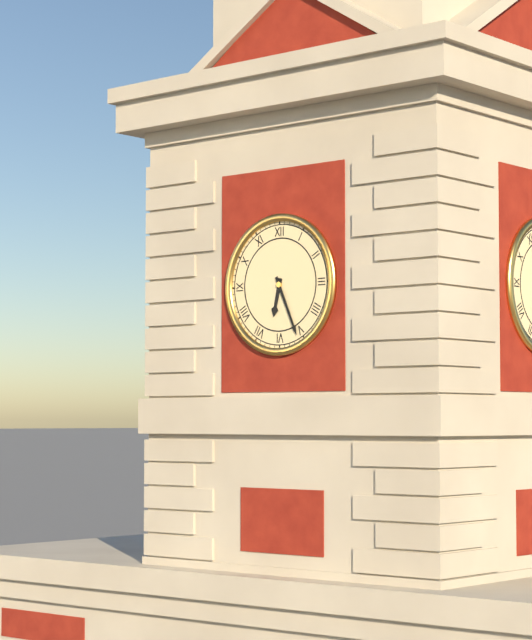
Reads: 6.26
